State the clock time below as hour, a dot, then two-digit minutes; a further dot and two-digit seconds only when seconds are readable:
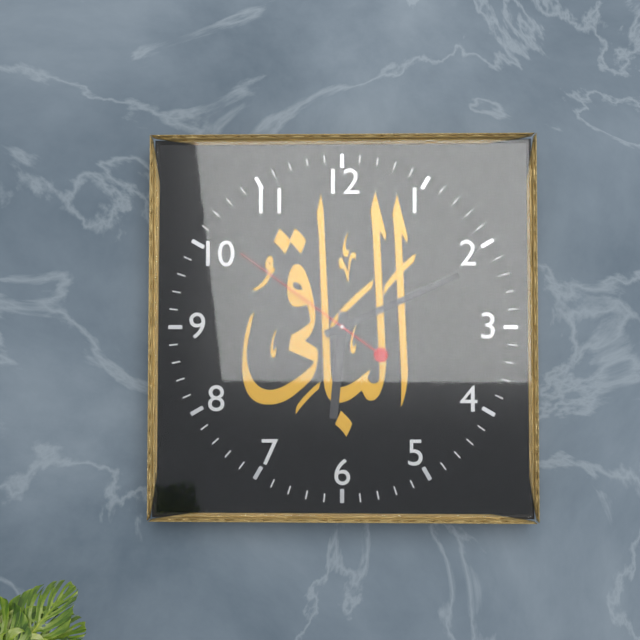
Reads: 6.11.51
